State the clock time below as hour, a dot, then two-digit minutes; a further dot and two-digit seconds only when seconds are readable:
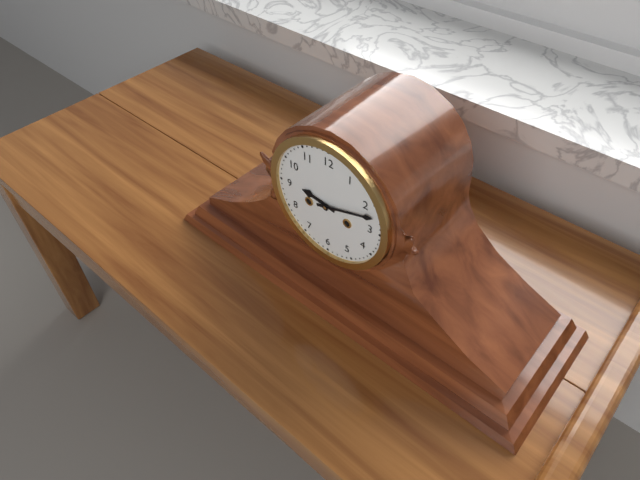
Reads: 9.12
